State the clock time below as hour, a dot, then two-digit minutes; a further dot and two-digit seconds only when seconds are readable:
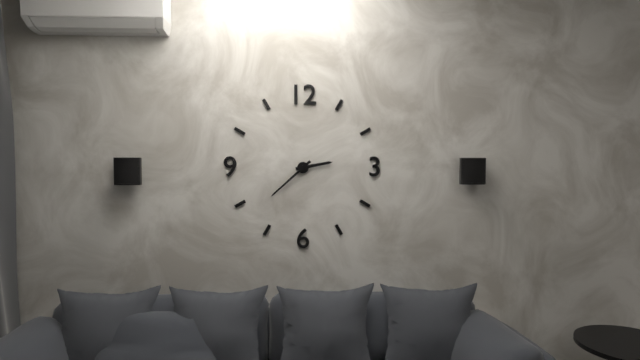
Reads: 2.38
